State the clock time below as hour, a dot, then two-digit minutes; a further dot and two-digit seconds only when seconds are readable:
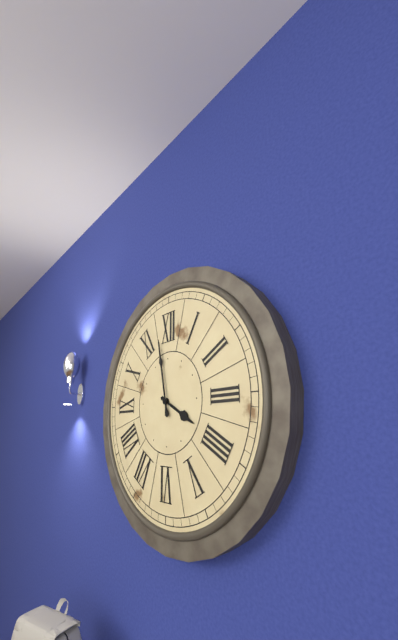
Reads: 3.58
